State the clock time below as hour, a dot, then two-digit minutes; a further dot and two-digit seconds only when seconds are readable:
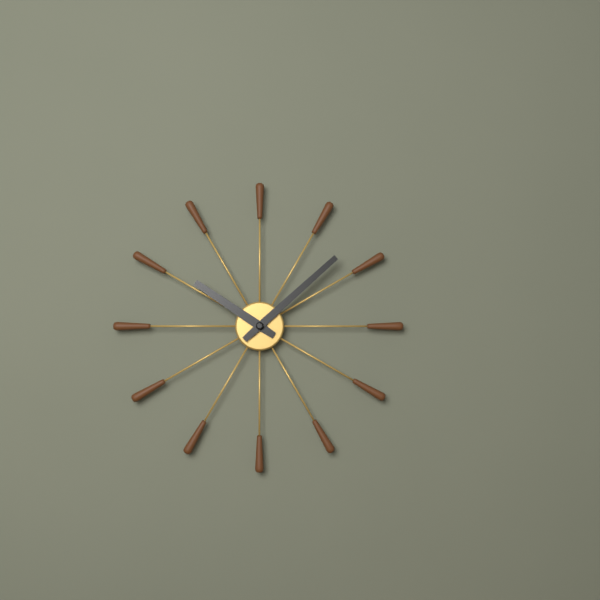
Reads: 10.08
